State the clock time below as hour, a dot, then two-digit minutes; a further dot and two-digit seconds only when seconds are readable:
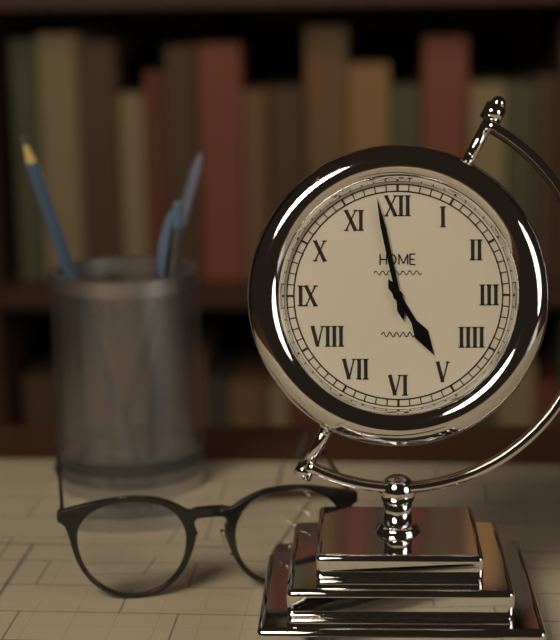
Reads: 4.58
